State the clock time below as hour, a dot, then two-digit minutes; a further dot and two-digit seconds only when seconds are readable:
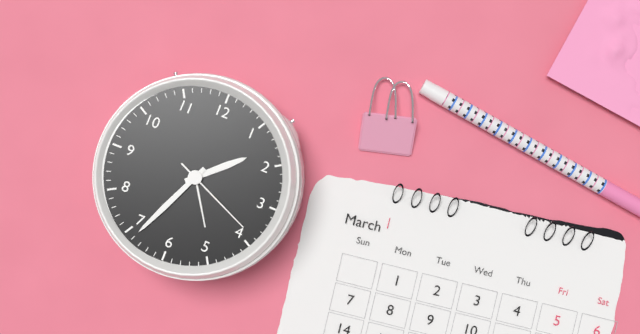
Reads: 1.34.19
